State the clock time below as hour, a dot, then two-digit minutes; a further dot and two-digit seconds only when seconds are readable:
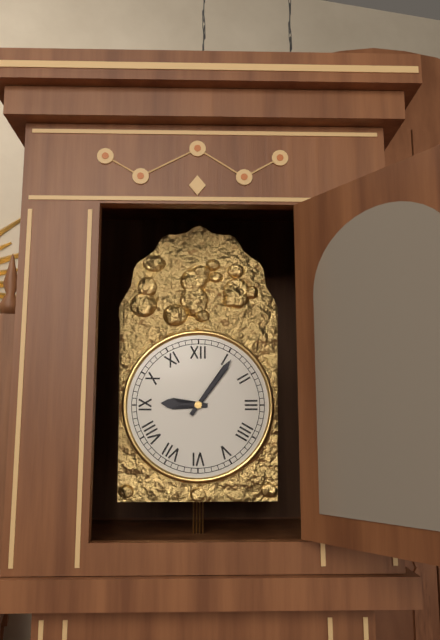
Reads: 9.06
